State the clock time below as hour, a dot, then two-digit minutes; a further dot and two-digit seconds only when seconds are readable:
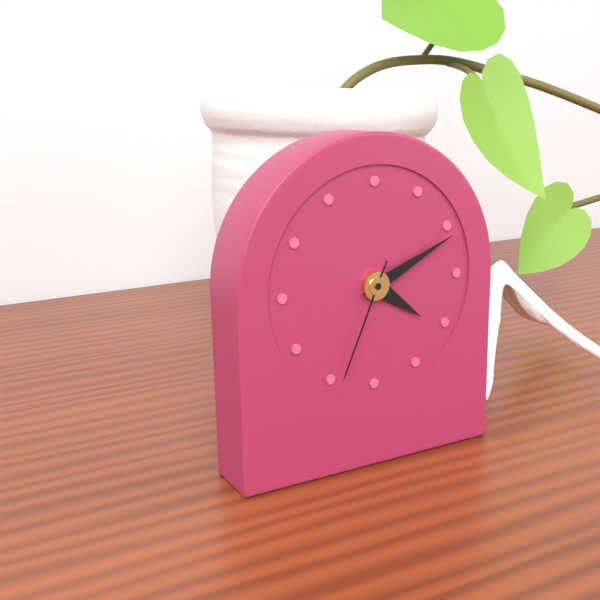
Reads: 4.11.34
